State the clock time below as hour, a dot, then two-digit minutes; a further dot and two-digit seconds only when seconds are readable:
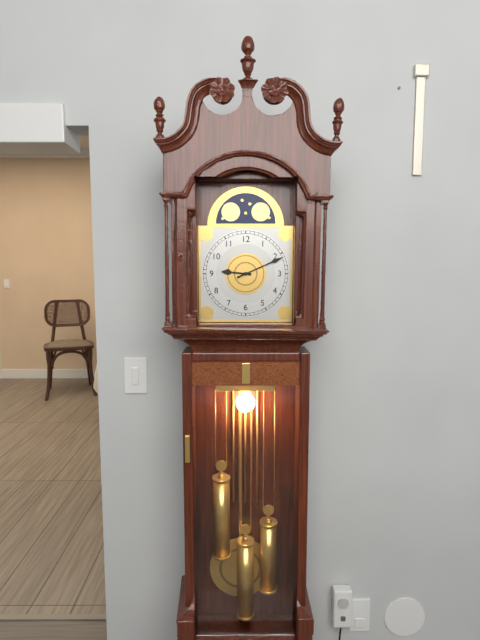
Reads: 9.11
